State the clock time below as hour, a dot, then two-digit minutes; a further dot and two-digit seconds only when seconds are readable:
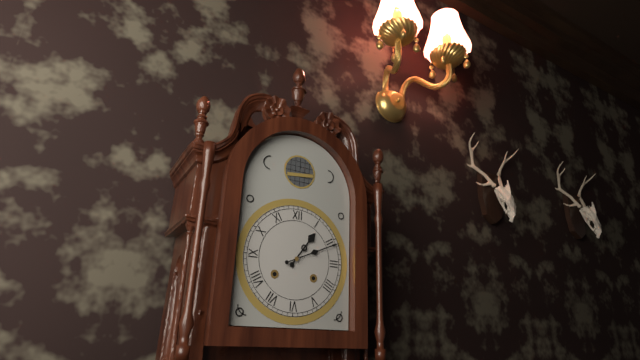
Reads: 1.11
